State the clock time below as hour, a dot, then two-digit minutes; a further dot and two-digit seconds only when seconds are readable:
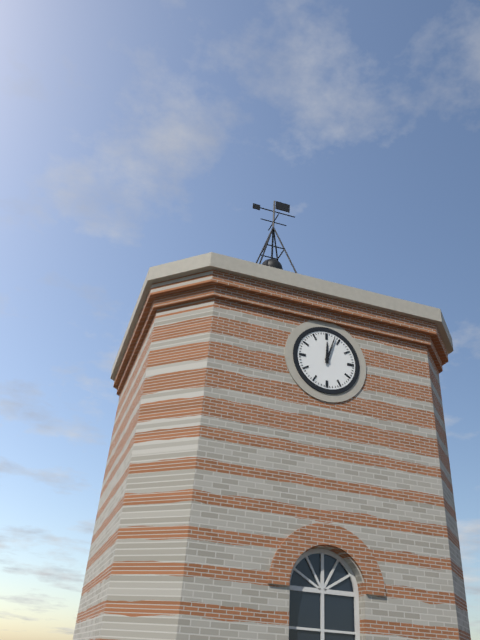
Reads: 12.03
